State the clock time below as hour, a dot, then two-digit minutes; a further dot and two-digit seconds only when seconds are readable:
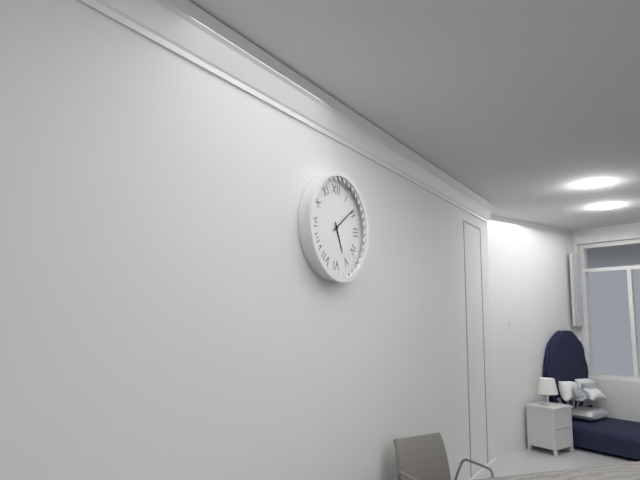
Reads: 5.09
